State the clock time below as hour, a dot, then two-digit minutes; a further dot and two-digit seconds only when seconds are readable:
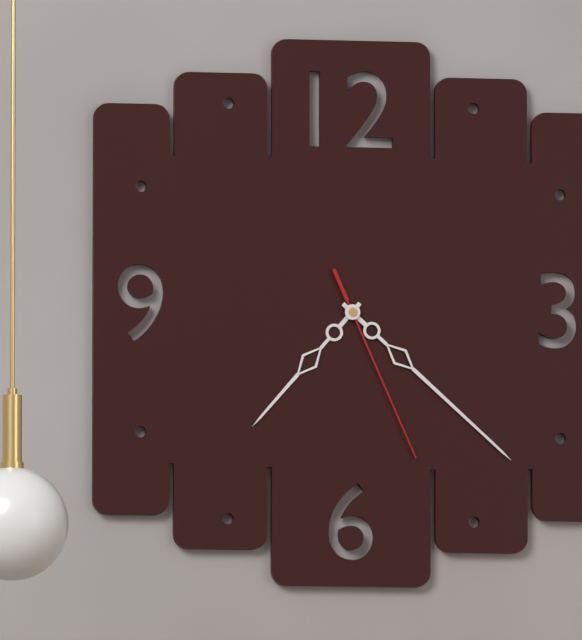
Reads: 7.22.26
